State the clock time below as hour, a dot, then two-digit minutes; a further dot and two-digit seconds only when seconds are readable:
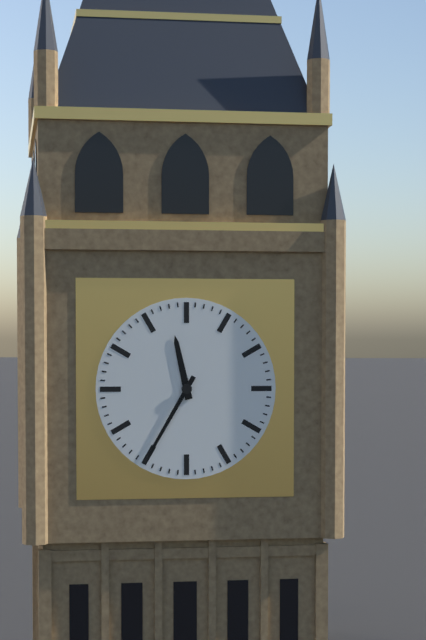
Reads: 11.35
